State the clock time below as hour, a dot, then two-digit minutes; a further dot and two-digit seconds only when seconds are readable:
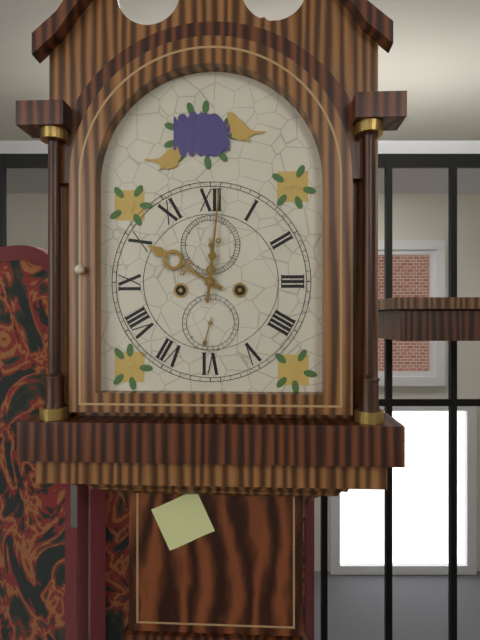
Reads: 10.01
